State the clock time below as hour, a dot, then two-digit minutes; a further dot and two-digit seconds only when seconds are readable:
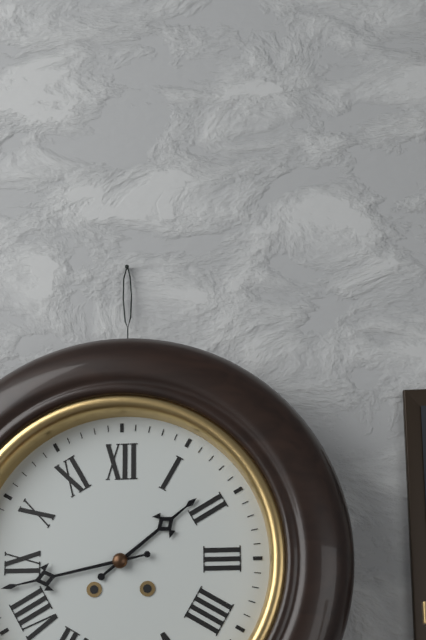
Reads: 1.43
